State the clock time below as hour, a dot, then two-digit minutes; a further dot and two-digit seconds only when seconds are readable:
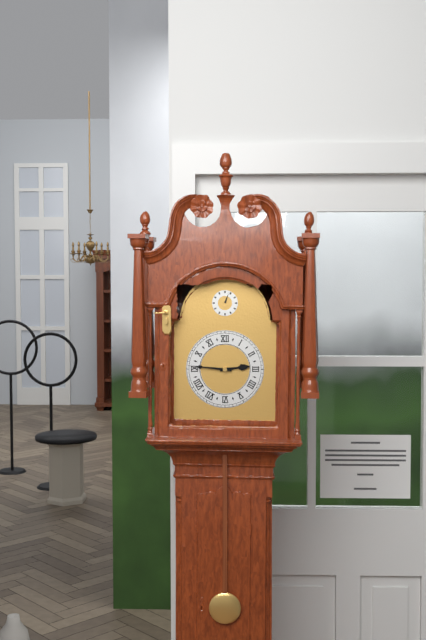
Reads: 2.46
